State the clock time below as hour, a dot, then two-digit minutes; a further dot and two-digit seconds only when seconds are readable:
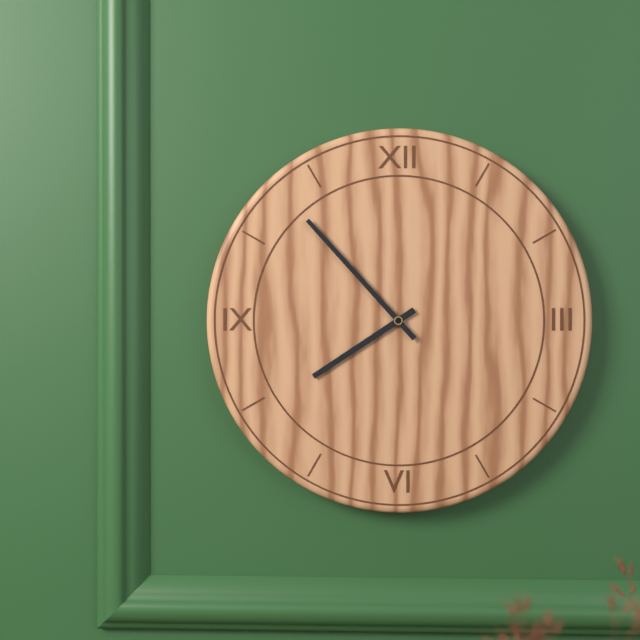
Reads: 7.53
